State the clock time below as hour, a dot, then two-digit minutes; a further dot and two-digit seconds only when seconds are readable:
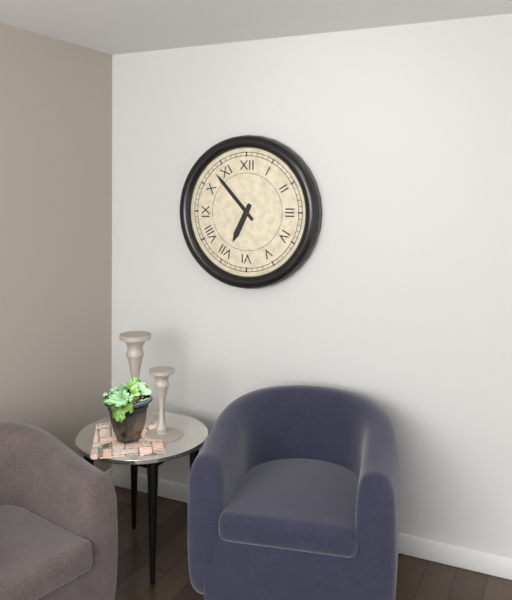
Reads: 6.53
